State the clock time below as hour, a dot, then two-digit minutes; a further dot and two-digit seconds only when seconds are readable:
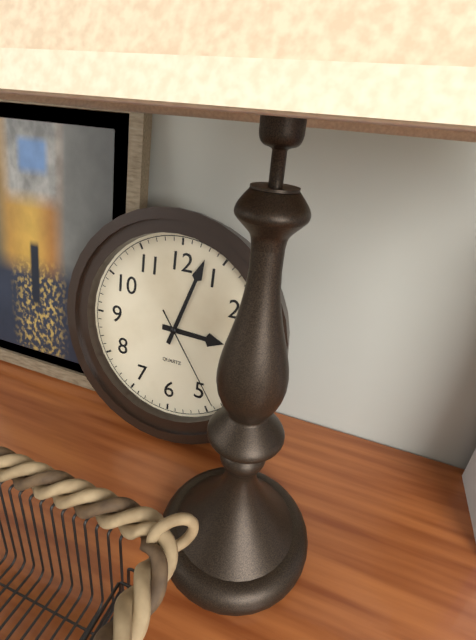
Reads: 3.03.24
